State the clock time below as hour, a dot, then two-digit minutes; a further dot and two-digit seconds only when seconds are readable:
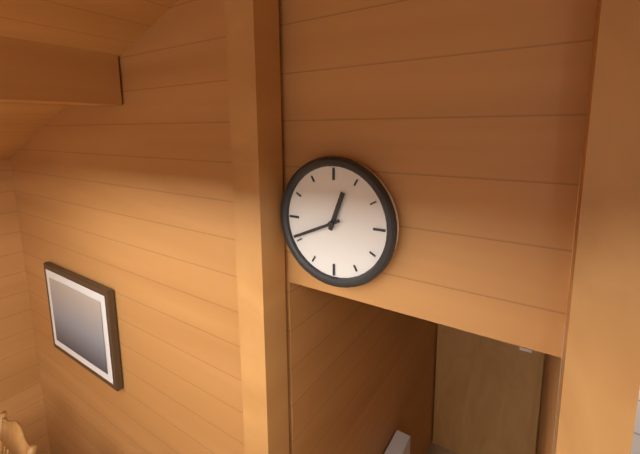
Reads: 12.41
